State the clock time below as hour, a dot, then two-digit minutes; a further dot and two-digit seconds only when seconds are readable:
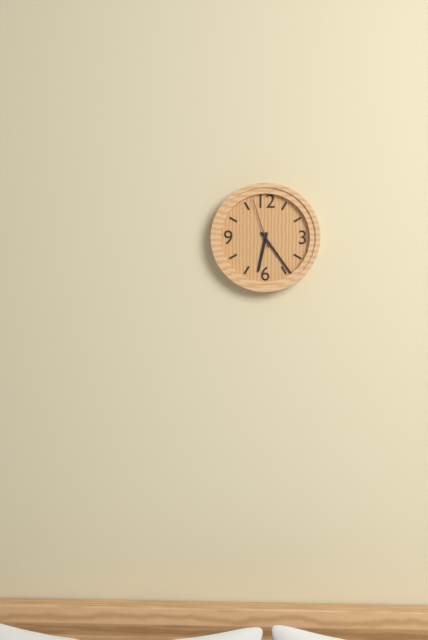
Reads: 6.24.57
